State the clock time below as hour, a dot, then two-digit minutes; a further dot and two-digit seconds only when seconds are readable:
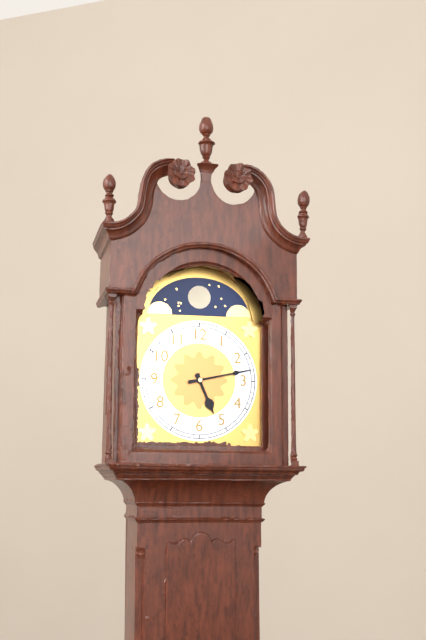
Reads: 5.13
